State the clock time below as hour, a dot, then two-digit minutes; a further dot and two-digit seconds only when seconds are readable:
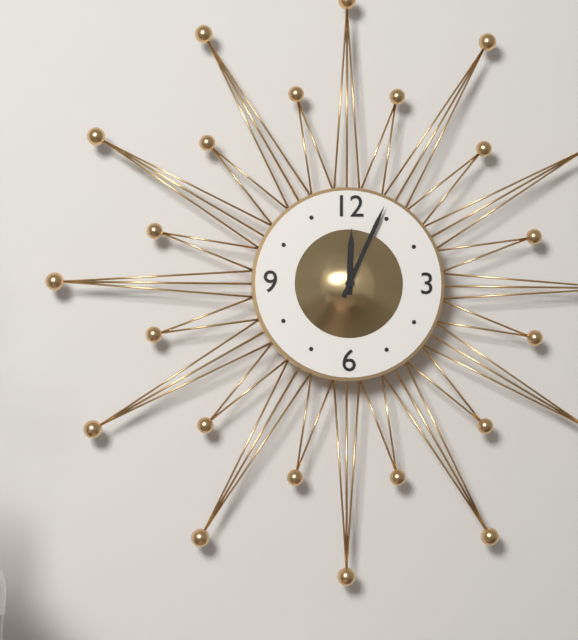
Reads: 12.04
